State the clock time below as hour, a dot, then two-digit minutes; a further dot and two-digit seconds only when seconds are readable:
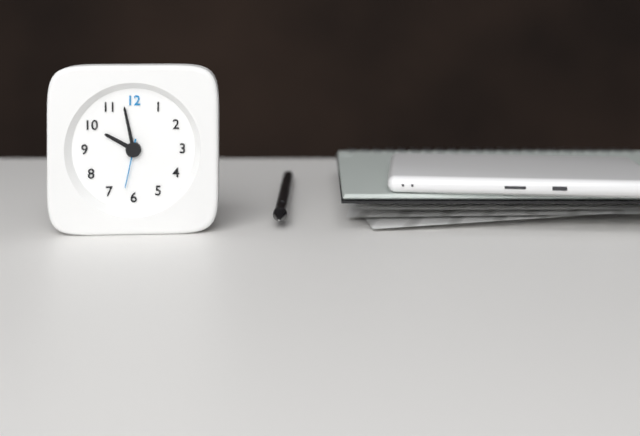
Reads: 9.58.32
